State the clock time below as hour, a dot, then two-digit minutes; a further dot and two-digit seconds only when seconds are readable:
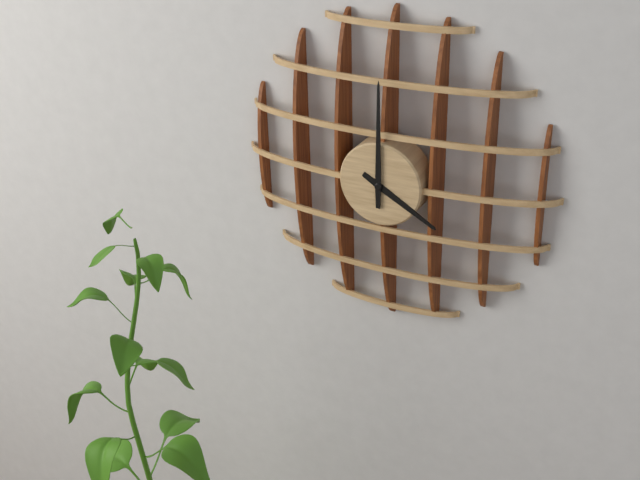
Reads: 4.00
